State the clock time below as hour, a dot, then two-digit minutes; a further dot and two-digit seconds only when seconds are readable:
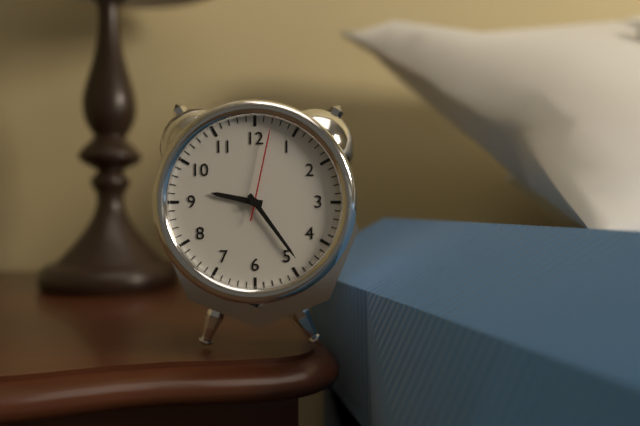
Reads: 9.24.02
